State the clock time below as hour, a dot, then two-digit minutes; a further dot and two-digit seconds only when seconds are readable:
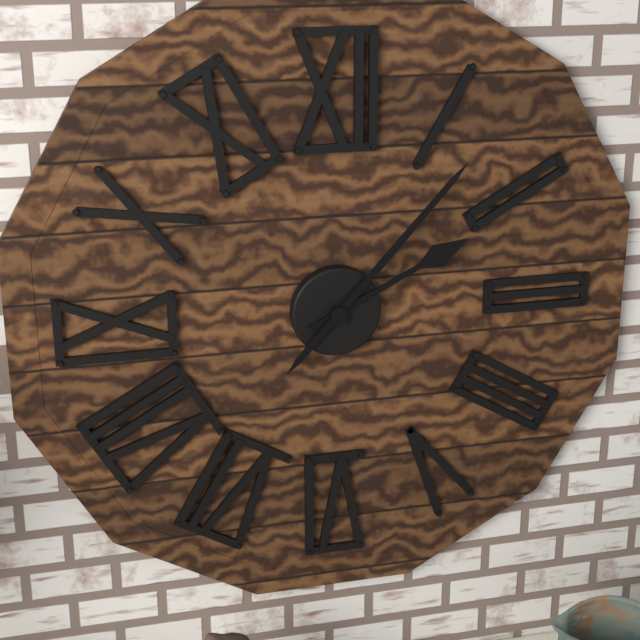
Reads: 2.07
